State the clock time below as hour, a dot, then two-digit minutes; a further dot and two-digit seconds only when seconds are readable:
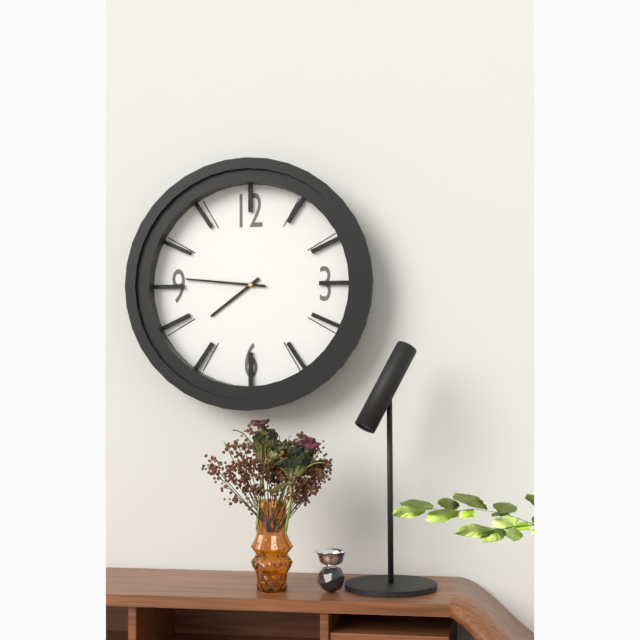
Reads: 7.46
